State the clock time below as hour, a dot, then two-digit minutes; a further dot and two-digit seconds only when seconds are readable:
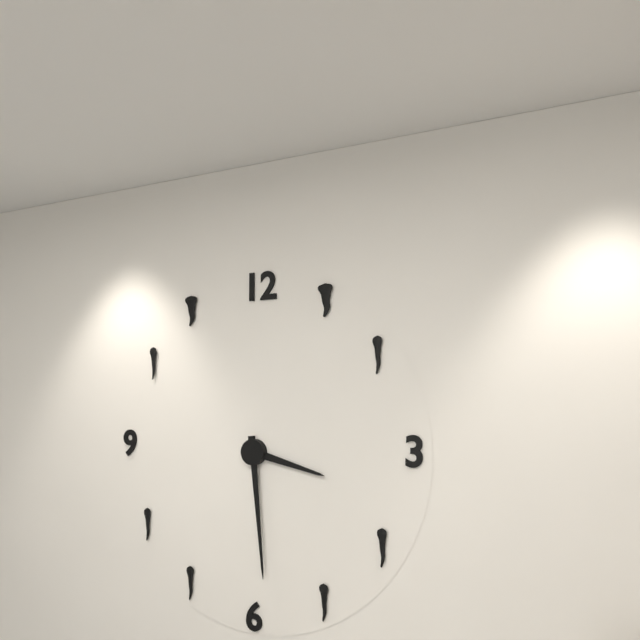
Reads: 3.29
